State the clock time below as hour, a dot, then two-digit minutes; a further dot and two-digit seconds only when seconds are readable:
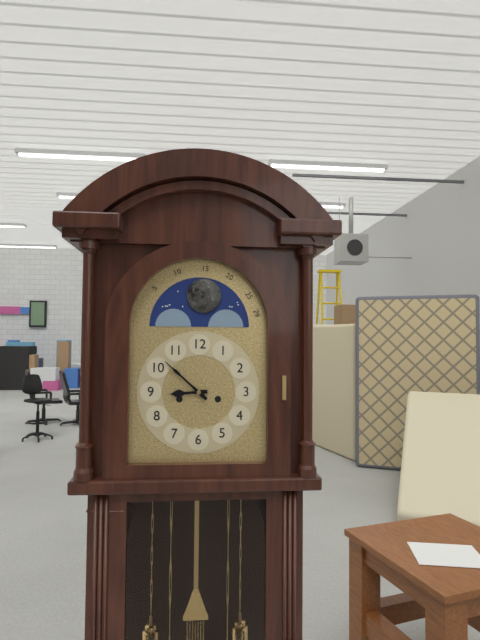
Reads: 8.52
